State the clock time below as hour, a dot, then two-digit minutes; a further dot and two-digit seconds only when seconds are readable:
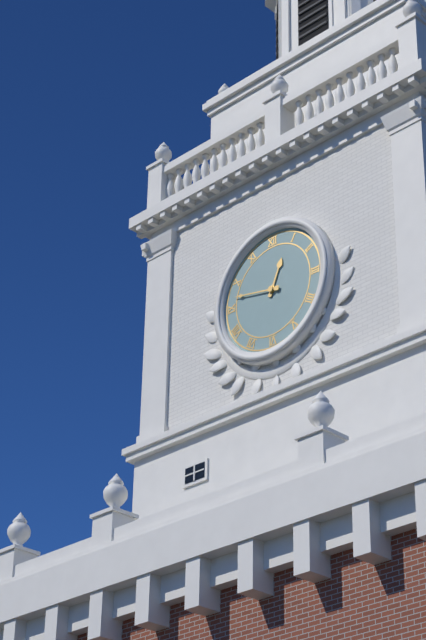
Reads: 12.47
